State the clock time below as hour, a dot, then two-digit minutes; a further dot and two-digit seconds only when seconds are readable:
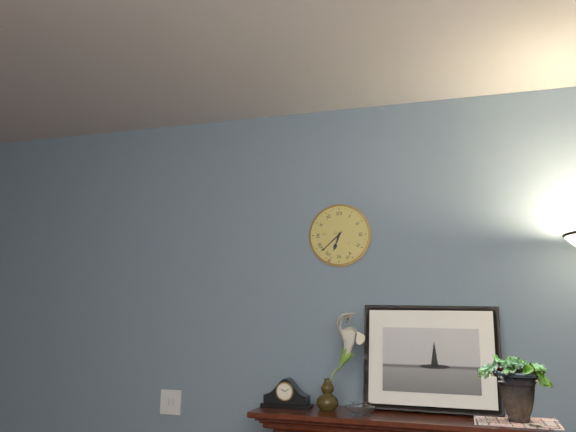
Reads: 6.38
